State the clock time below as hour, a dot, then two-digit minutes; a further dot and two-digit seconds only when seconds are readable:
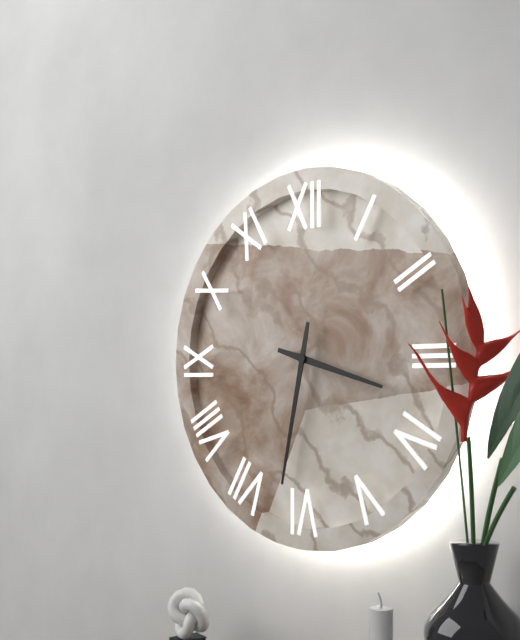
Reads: 3.32
